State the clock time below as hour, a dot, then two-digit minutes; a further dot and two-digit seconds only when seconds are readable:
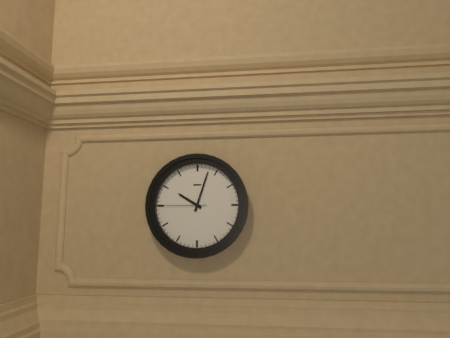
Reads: 10.03
